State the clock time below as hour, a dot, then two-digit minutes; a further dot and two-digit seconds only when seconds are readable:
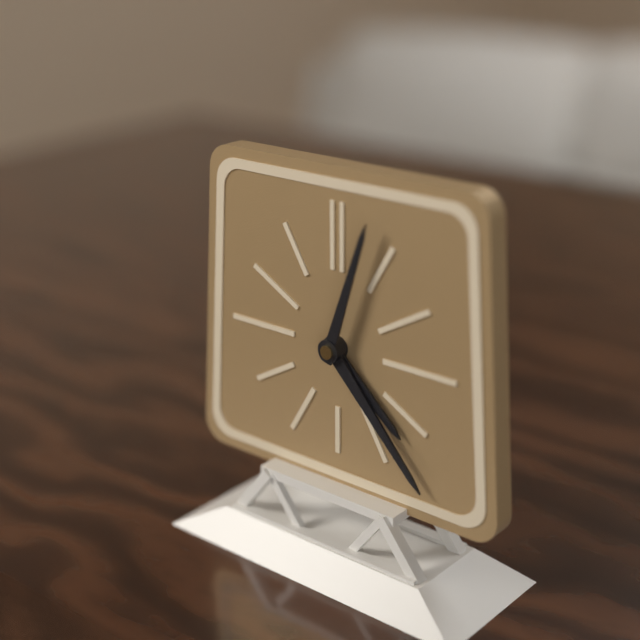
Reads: 4.23.03
